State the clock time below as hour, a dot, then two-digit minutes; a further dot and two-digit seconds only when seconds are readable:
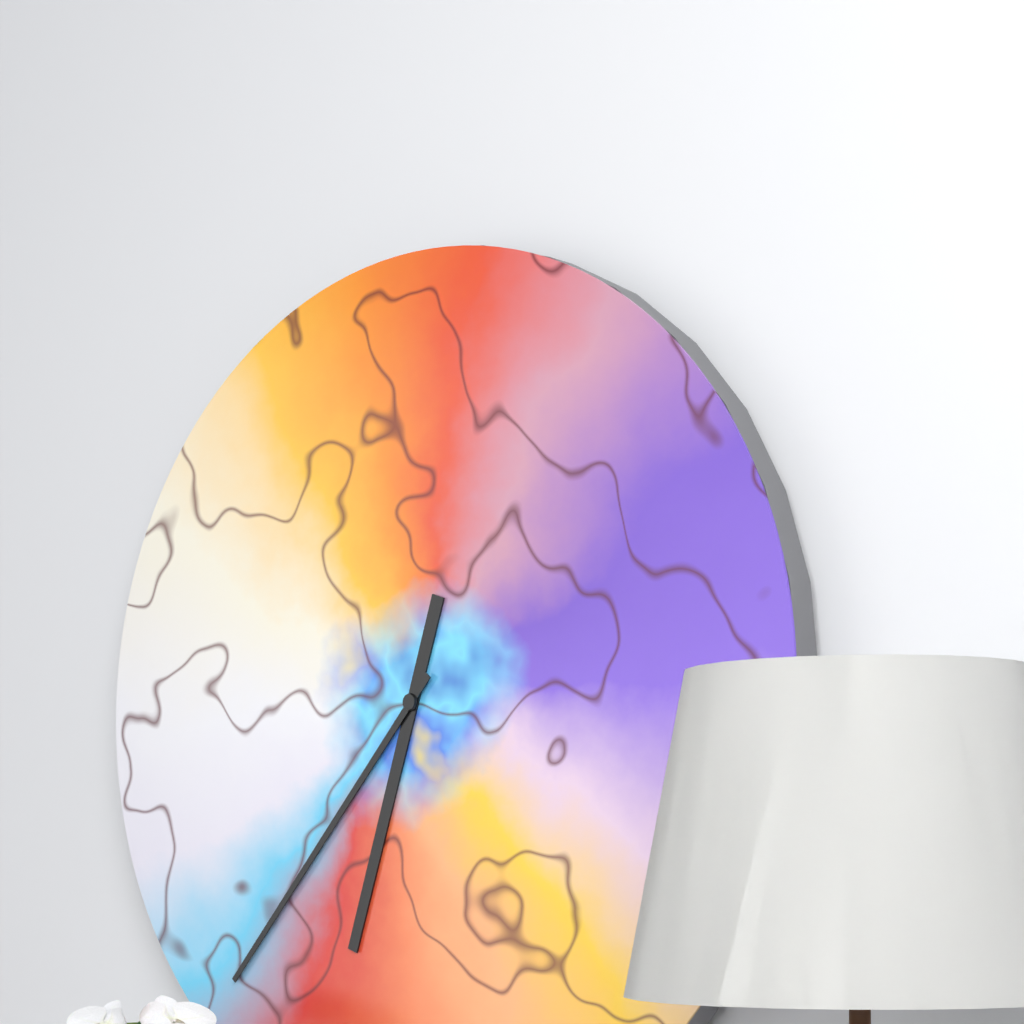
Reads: 6.37
